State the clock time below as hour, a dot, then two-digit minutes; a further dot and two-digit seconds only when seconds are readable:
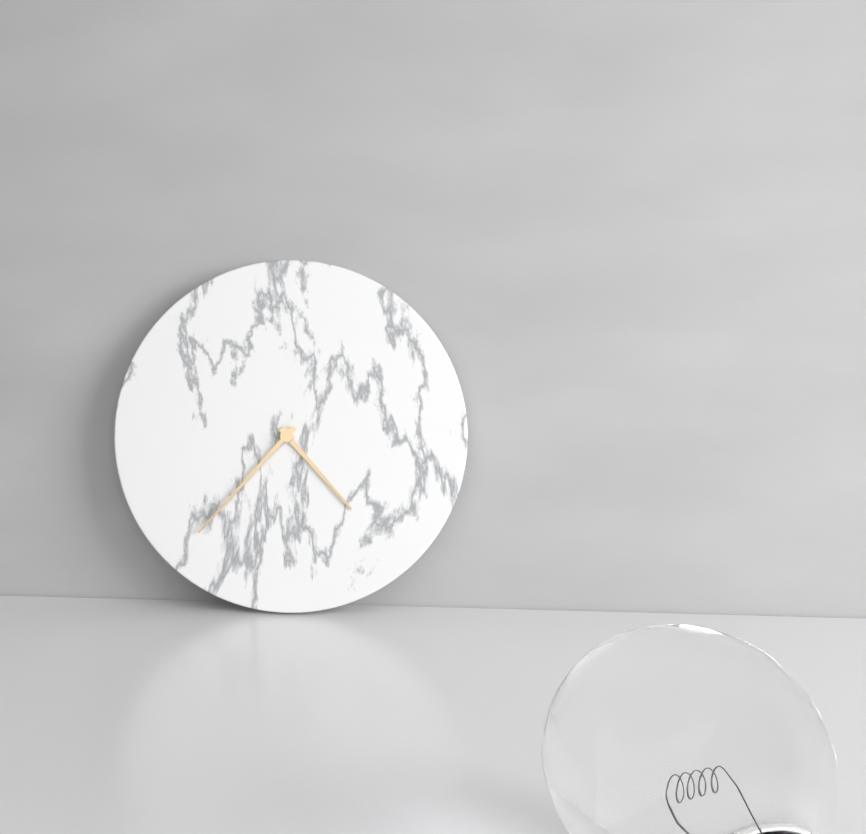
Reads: 4.37
